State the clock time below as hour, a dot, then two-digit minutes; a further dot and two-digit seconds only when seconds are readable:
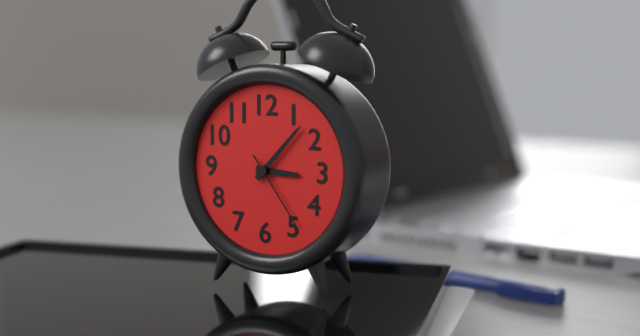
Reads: 3.07.24
